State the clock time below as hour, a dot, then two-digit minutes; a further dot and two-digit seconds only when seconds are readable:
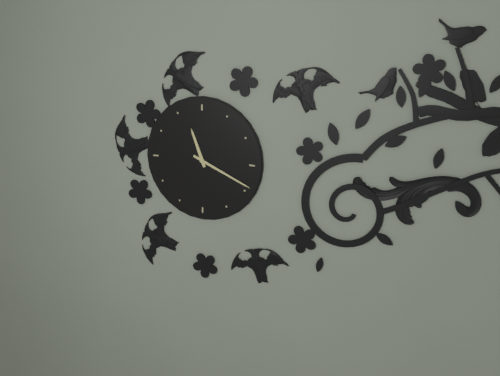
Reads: 11.19
